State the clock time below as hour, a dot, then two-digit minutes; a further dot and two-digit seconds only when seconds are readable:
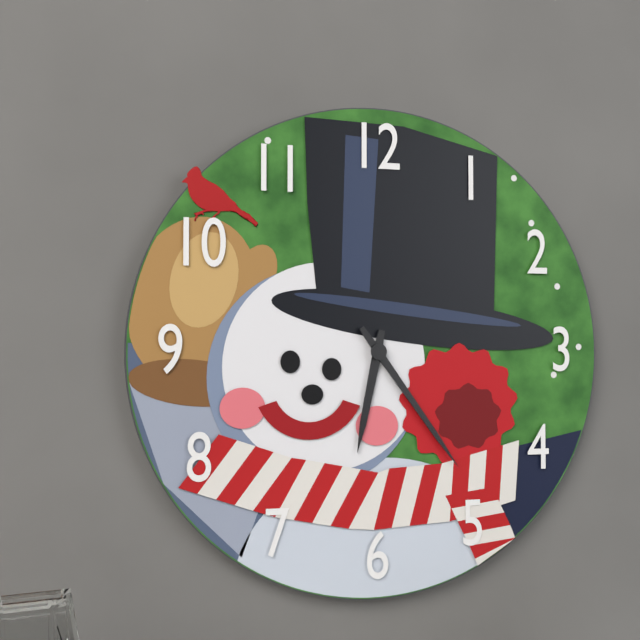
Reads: 6.24
